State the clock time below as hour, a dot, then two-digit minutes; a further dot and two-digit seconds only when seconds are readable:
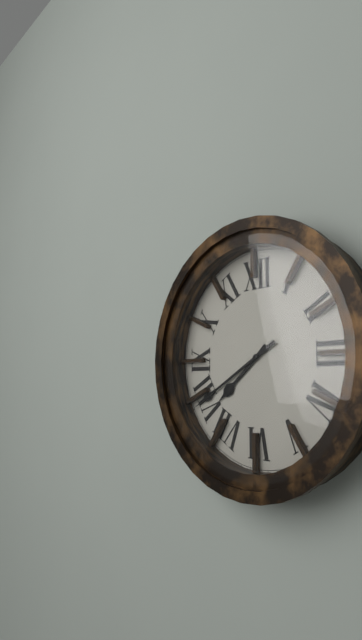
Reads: 7.40
